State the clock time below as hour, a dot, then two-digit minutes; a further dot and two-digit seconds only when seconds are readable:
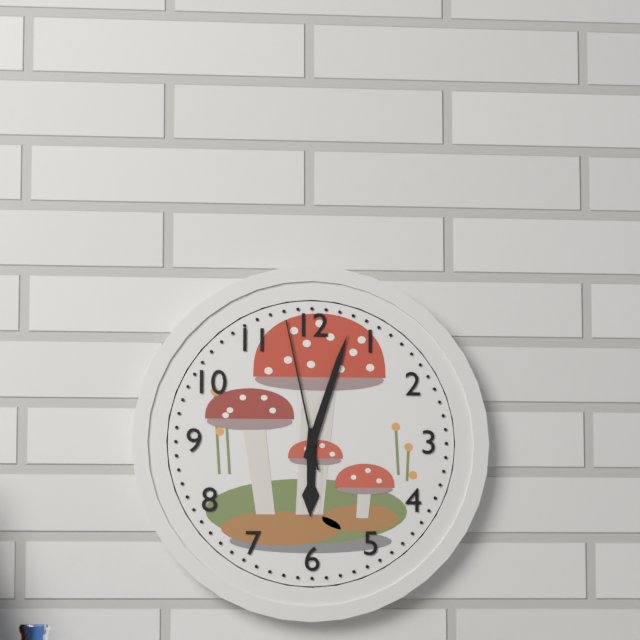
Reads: 6.03.58
